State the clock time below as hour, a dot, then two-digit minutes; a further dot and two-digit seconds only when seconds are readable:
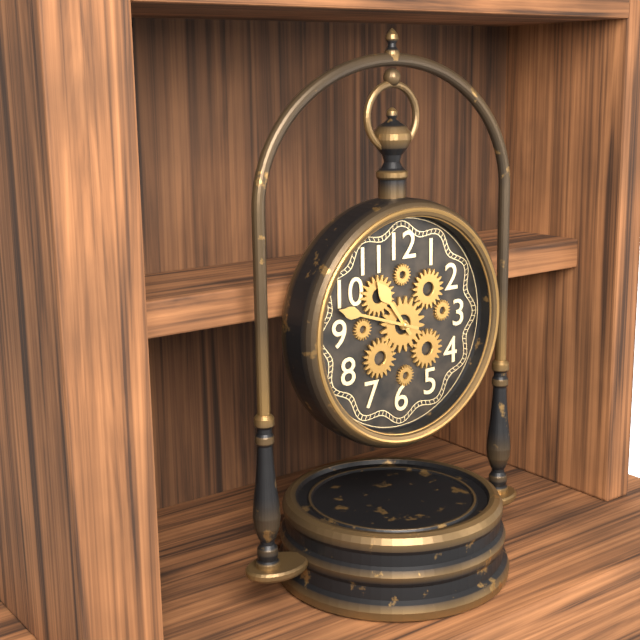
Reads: 10.48
